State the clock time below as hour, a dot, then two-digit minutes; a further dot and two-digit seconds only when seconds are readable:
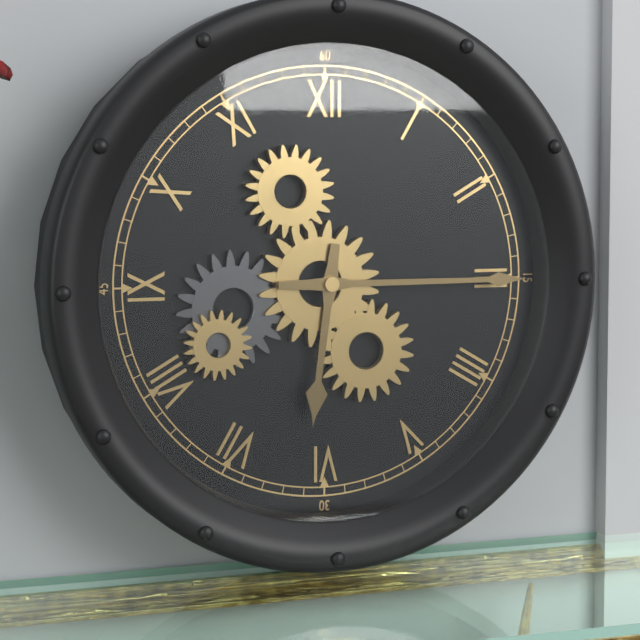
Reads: 6.15
